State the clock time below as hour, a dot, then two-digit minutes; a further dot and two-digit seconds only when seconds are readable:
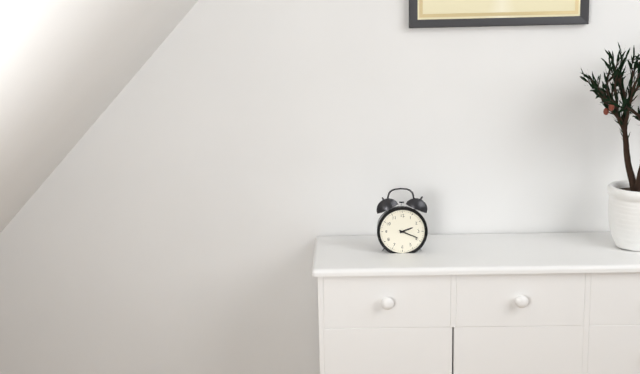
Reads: 2.19
